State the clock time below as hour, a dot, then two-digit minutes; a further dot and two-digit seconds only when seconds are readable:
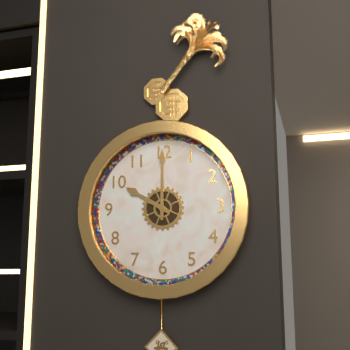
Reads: 10.00
